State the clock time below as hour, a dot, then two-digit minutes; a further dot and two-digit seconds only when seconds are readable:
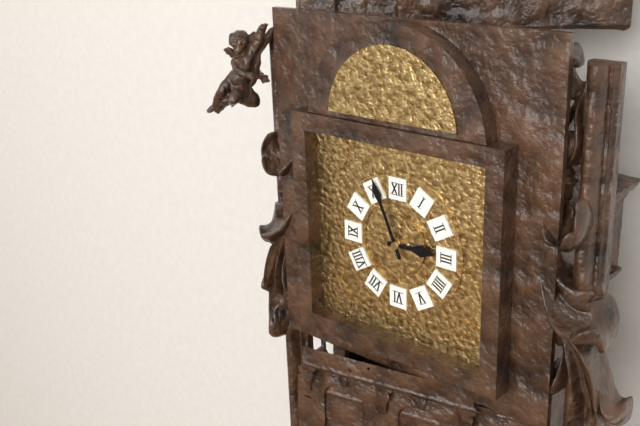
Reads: 2.56
